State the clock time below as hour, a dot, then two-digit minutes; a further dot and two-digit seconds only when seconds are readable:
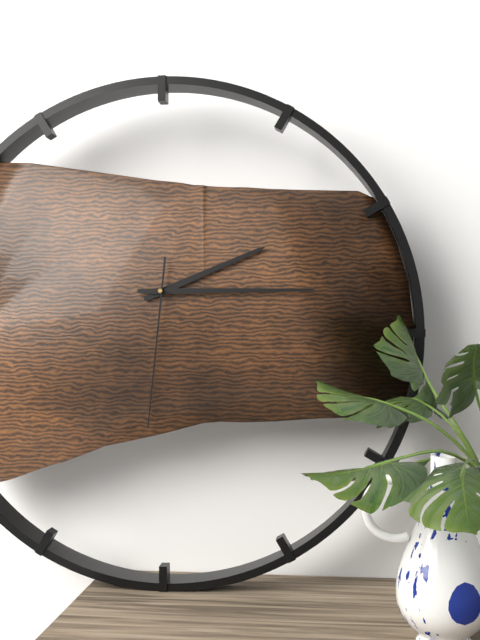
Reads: 2.15.31
